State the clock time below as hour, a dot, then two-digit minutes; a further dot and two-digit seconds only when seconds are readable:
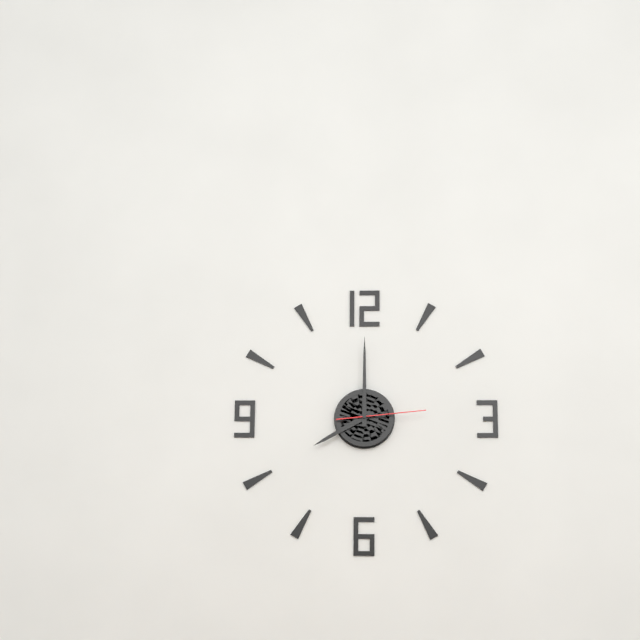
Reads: 8.00.14
